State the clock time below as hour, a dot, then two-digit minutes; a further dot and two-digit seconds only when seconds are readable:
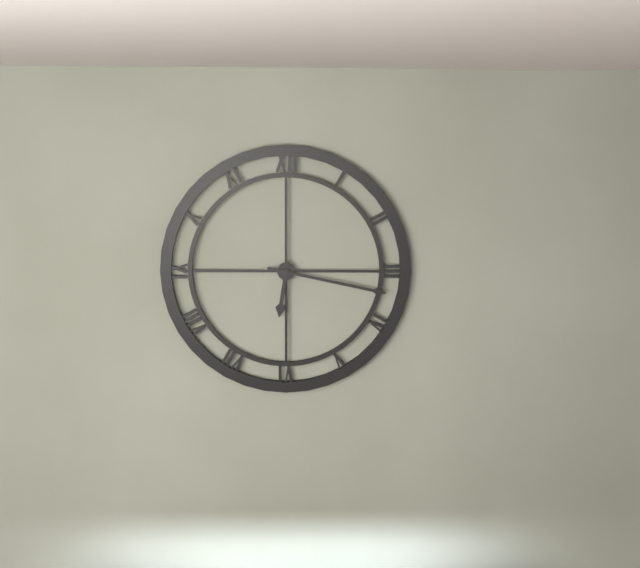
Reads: 6.17
